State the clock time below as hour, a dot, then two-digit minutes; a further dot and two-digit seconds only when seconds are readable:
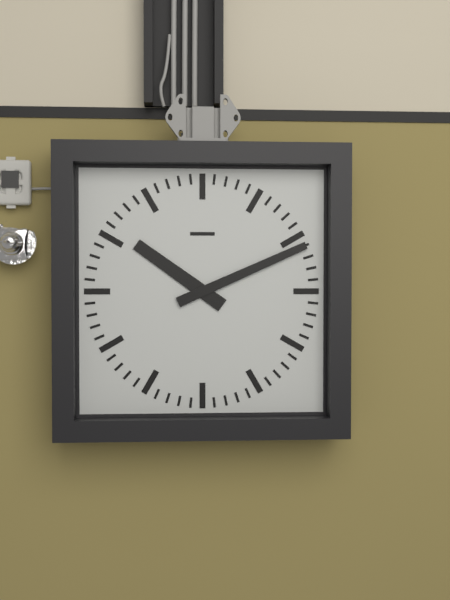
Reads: 10.11
